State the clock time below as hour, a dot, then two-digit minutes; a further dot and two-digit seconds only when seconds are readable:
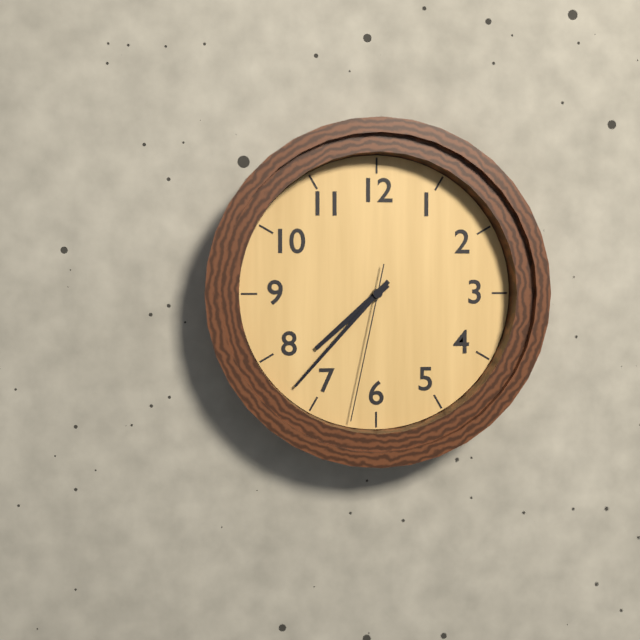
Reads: 7.37.32
